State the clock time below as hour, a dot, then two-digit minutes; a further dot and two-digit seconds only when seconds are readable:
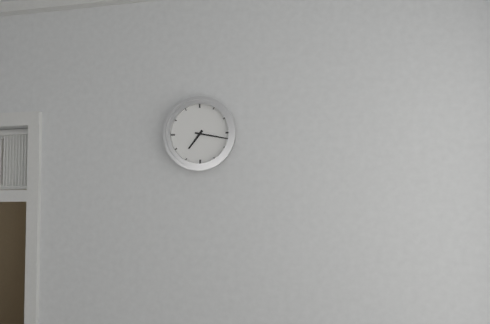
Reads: 7.17
